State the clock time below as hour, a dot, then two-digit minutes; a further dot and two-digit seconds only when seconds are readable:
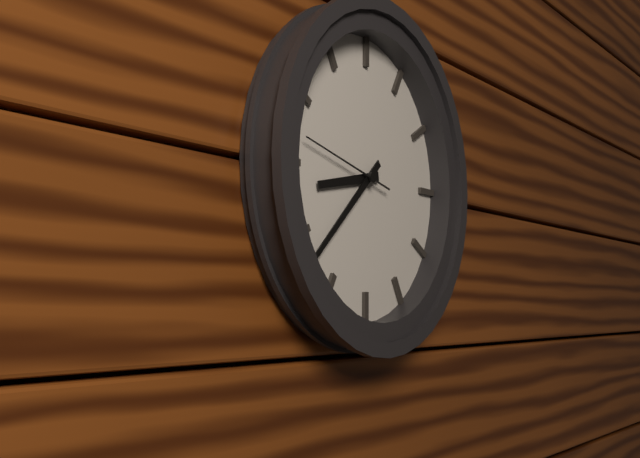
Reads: 8.38.47
